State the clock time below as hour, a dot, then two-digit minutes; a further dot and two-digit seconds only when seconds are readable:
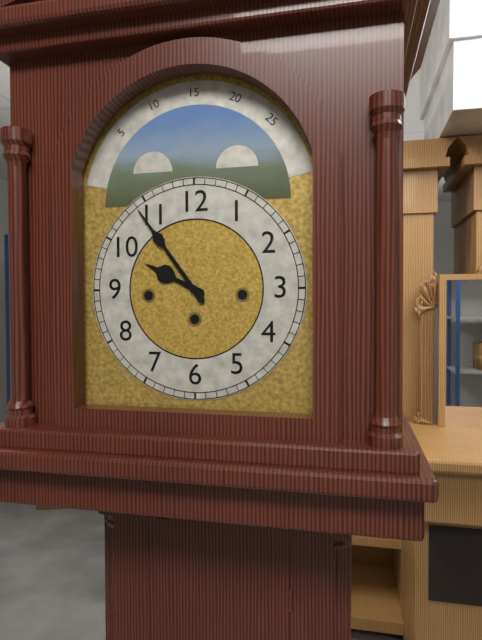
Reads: 9.54
